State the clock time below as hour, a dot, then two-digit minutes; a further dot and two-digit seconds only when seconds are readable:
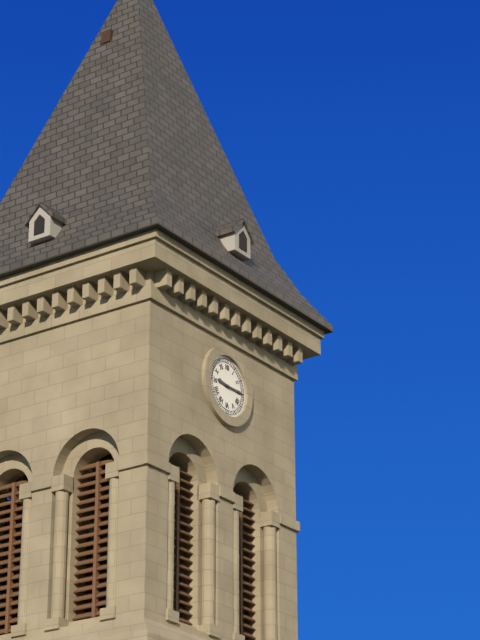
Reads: 9.15
